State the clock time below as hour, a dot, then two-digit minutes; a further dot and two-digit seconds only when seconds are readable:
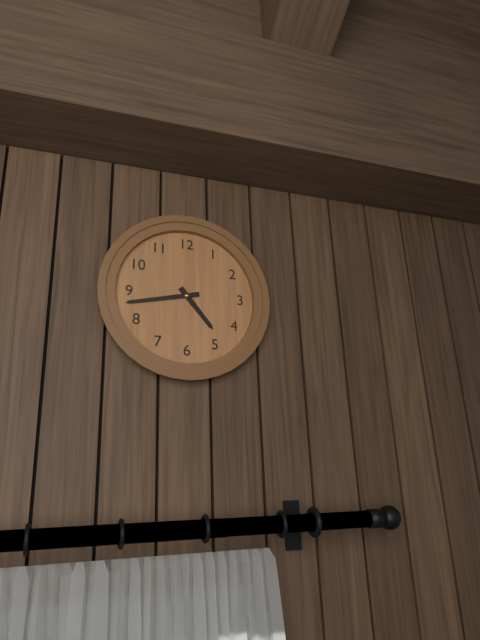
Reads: 4.43
